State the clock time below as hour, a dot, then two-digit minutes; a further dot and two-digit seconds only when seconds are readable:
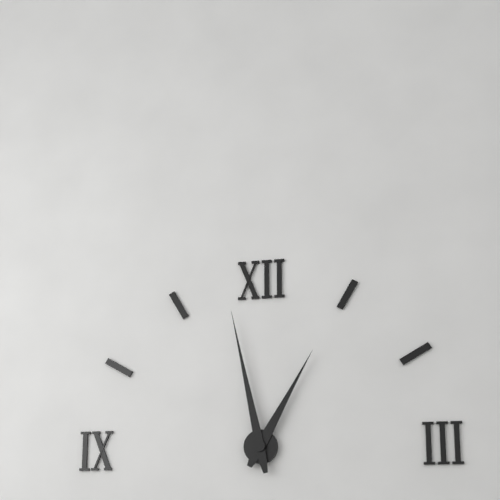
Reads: 12.58
